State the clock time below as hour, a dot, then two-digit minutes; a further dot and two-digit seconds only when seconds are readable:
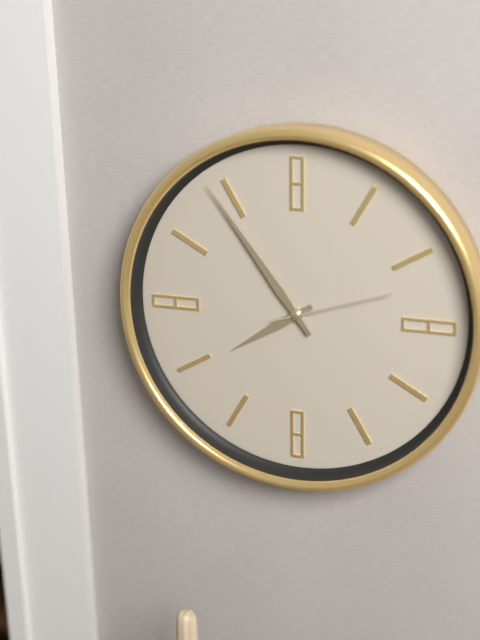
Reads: 7.54.12
